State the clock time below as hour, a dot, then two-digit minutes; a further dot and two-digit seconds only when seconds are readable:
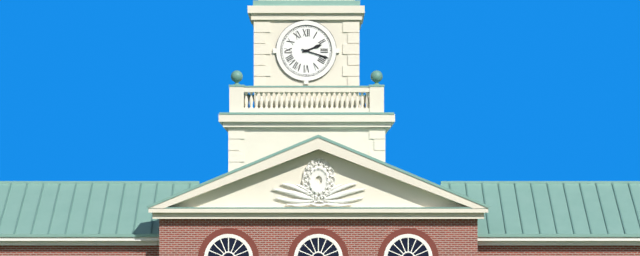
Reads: 2.18
